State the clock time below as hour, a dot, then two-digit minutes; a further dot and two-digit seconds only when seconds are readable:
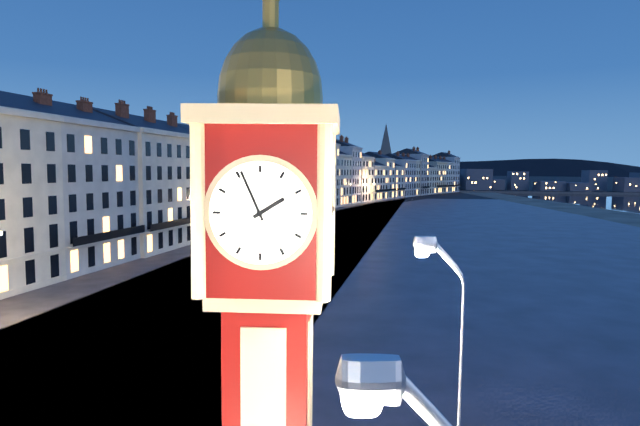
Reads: 1.56
